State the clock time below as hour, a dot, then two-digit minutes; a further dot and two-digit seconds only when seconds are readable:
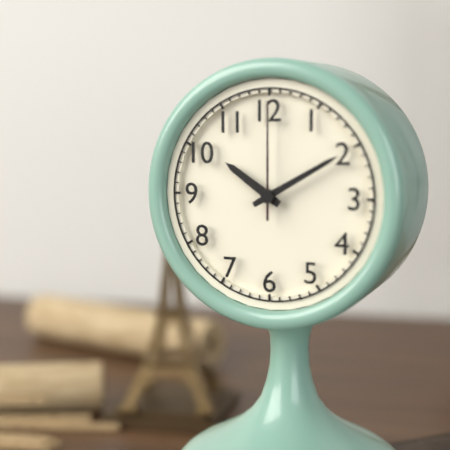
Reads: 10.10.00
